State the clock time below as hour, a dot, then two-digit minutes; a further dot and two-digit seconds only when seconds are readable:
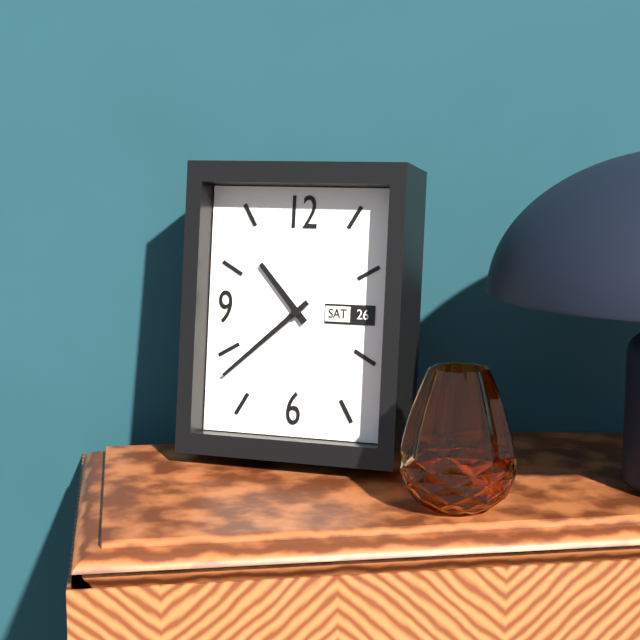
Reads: 10.38
